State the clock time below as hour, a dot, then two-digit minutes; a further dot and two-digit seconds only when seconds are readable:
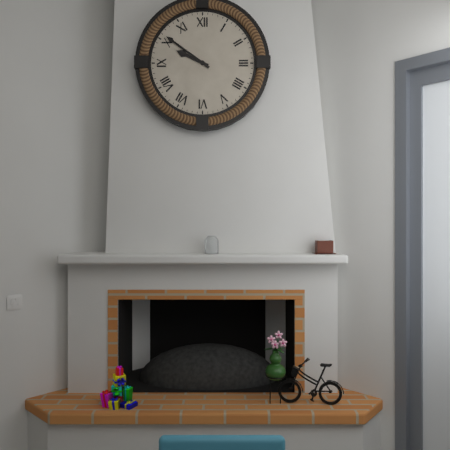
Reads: 9.51
